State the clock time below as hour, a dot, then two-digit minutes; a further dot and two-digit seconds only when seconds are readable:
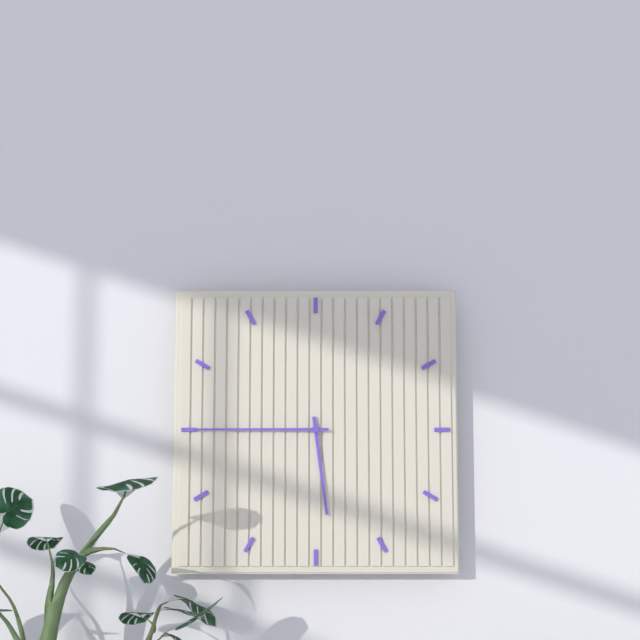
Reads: 5.45
